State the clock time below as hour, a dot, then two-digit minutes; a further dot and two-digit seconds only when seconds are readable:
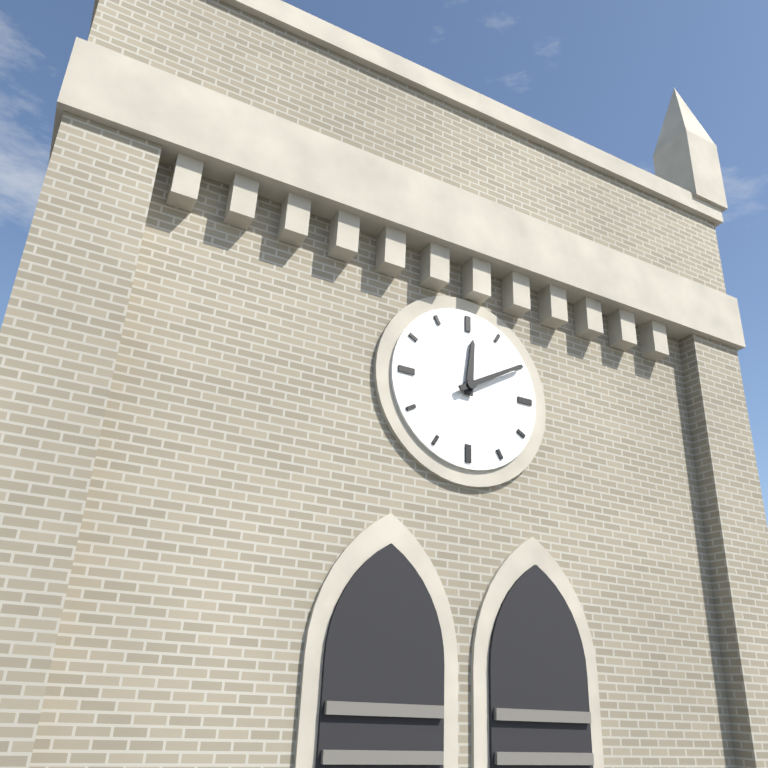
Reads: 12.10
